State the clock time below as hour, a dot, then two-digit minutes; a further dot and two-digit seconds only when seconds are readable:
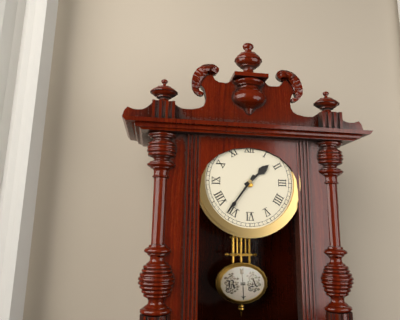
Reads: 1.36
